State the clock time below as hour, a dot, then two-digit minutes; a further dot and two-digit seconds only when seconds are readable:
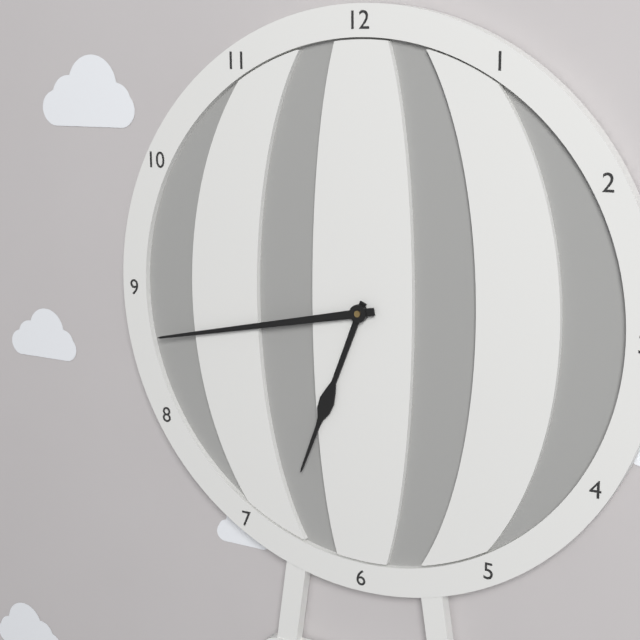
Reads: 6.43
